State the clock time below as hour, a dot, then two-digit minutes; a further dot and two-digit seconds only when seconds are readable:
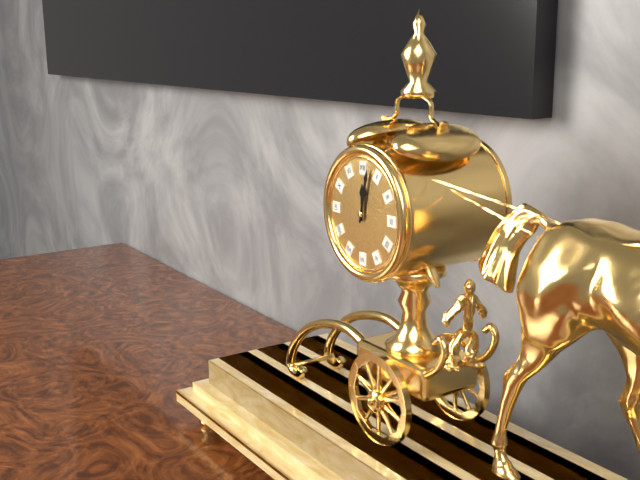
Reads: 12.02
